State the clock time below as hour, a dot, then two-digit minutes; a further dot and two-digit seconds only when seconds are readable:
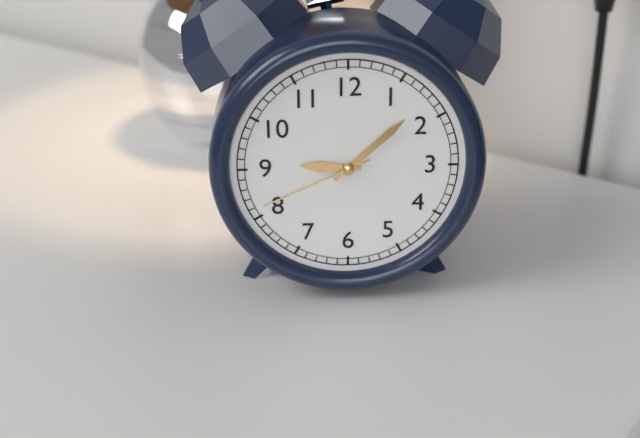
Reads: 9.08.41
